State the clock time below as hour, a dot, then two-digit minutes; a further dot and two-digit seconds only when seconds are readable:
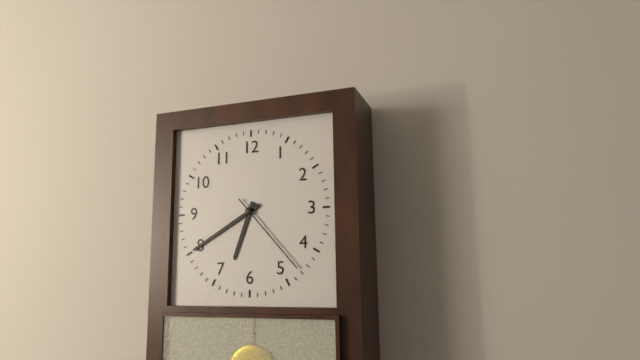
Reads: 6.40.23
